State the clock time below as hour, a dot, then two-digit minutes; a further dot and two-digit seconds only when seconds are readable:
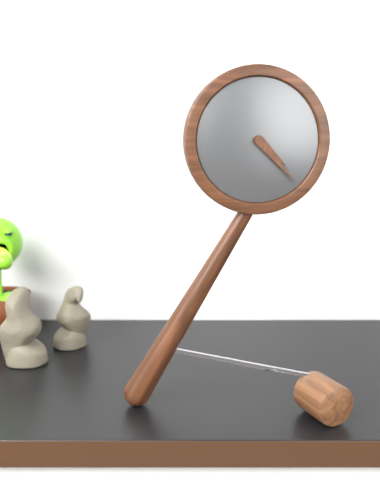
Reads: 4.23
